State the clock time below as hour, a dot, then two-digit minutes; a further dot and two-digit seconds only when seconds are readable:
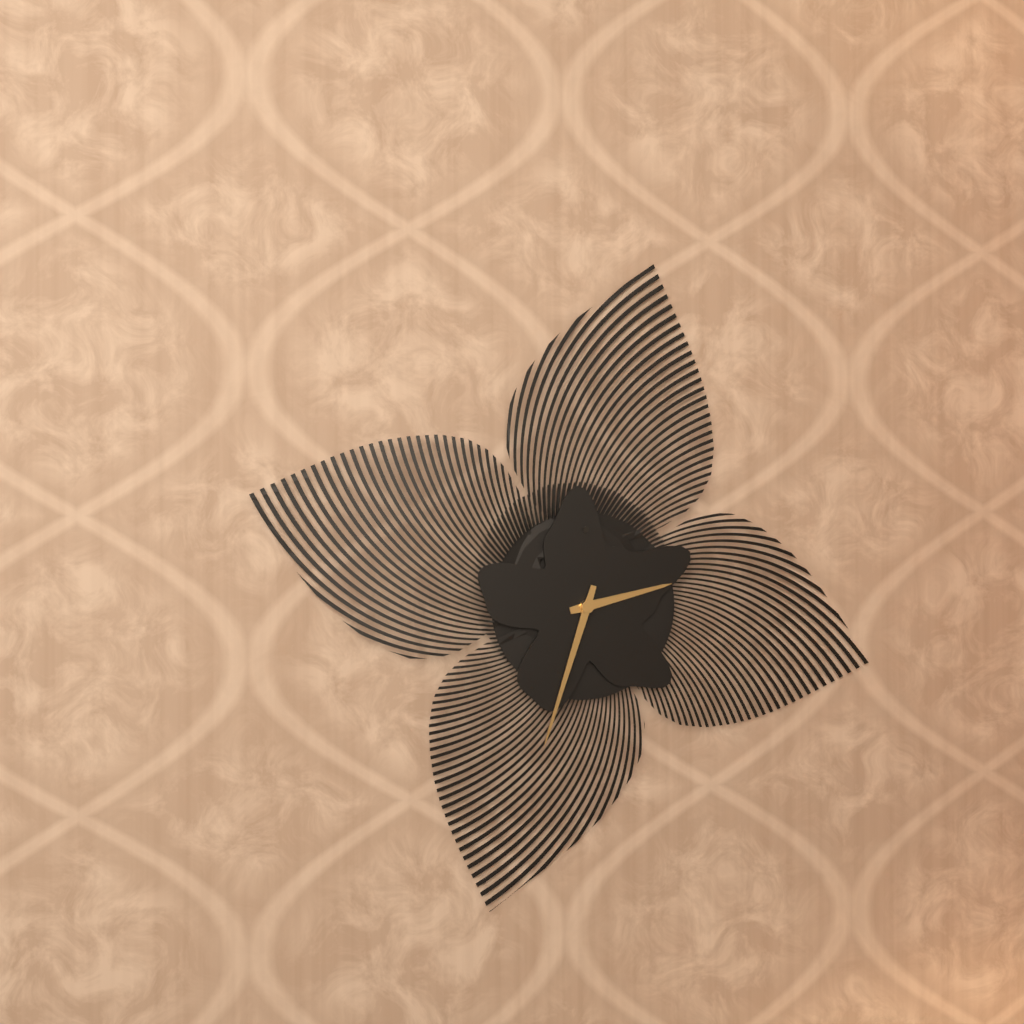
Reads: 2.33
